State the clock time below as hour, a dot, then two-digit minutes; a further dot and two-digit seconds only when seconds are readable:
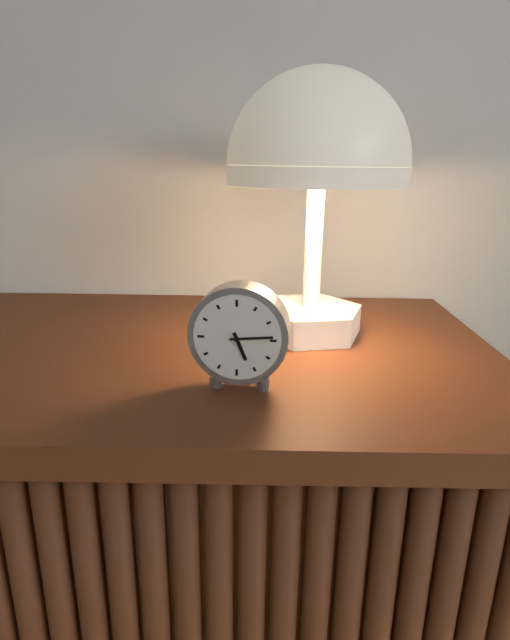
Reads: 5.14
